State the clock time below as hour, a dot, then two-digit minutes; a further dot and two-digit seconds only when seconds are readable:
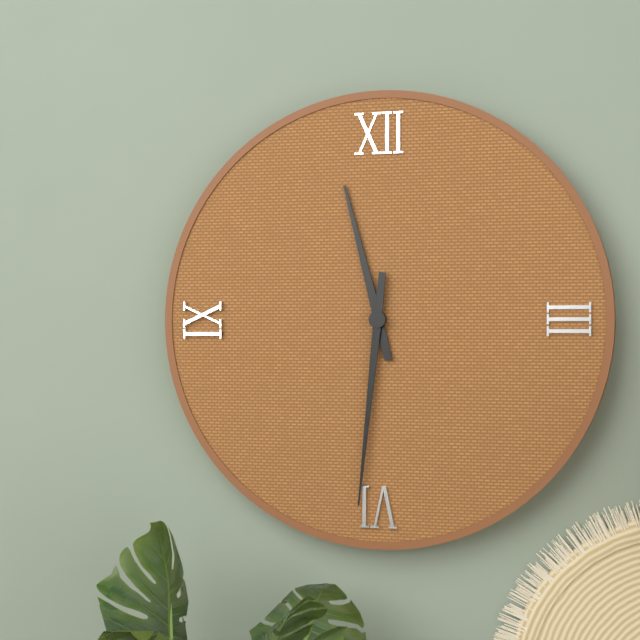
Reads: 11.31
